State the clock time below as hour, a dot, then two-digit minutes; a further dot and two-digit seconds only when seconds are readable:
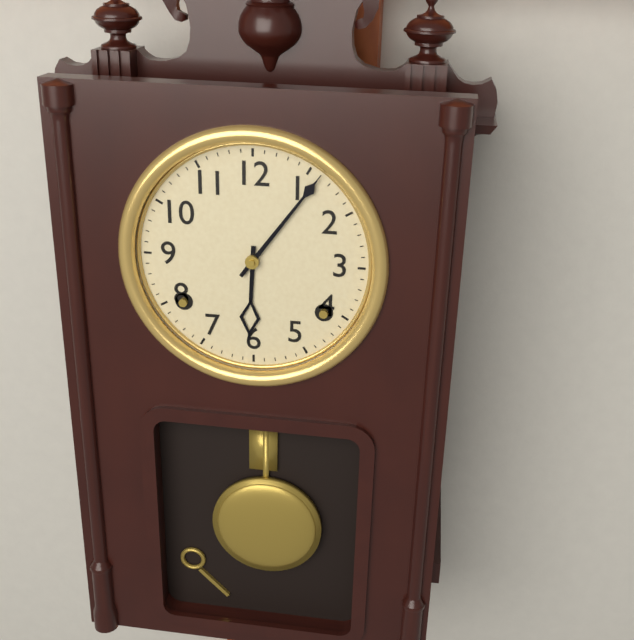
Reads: 6.06
